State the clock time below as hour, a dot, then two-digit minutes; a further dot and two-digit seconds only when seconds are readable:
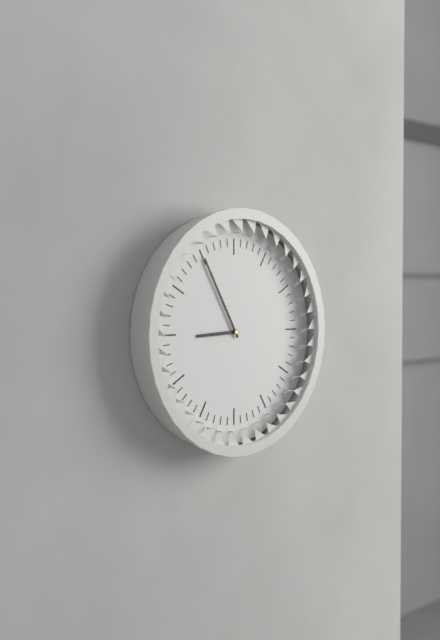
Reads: 8.55
